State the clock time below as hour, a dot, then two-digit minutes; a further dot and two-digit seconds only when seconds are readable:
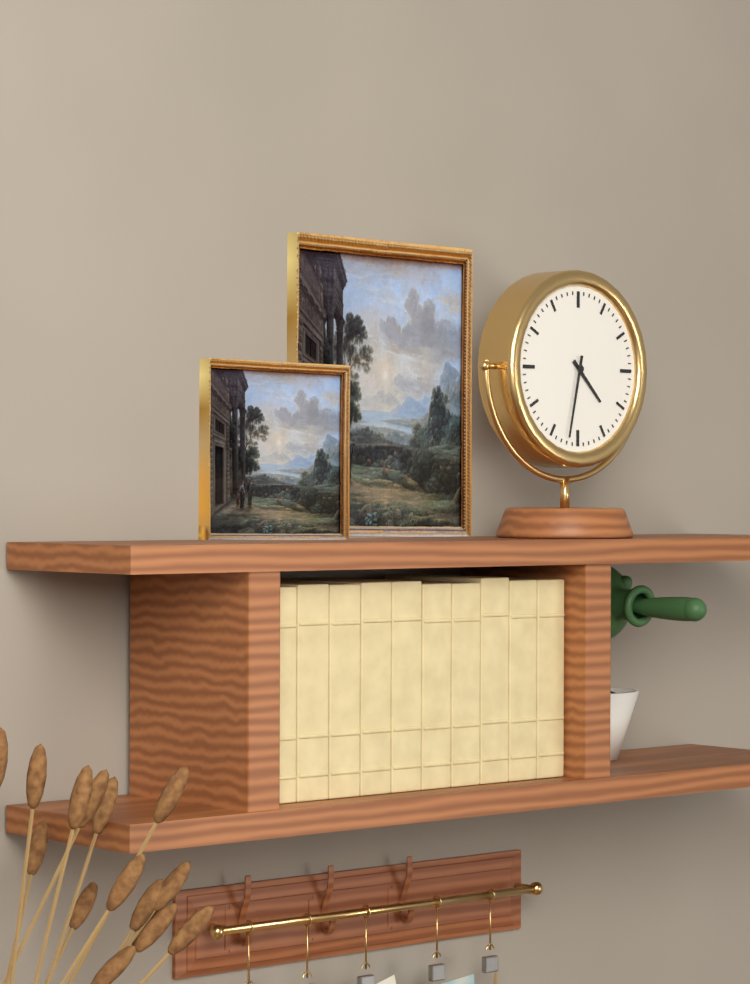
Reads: 4.32
